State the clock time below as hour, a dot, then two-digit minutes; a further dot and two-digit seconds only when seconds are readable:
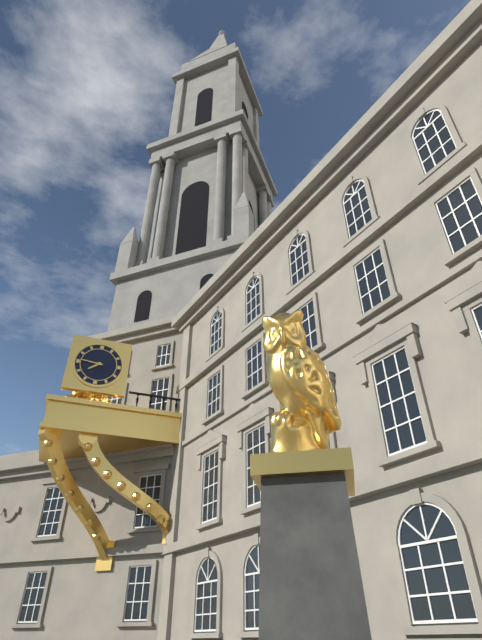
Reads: 7.46
